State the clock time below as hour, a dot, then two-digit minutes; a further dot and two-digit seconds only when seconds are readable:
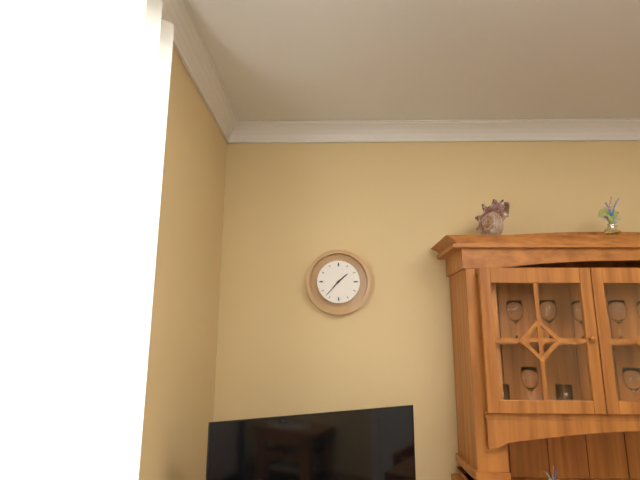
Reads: 1.37
